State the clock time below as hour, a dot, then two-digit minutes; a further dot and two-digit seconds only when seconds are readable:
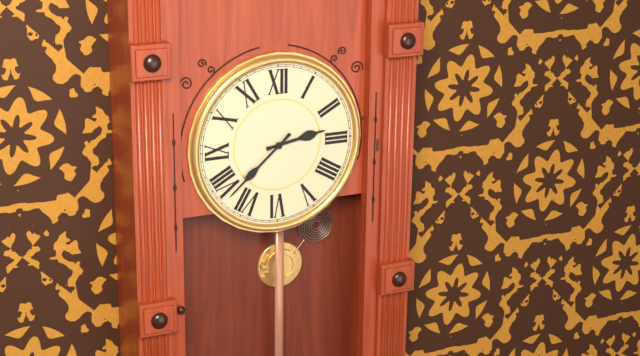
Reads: 2.38
